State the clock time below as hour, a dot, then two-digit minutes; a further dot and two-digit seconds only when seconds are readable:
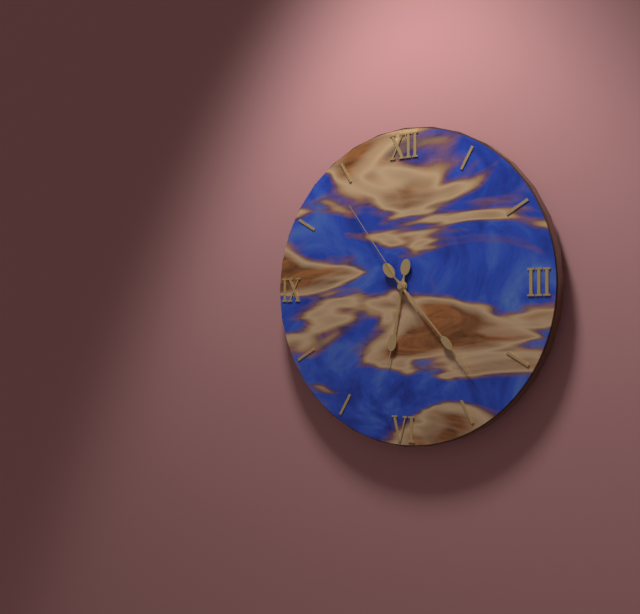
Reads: 6.23.54
